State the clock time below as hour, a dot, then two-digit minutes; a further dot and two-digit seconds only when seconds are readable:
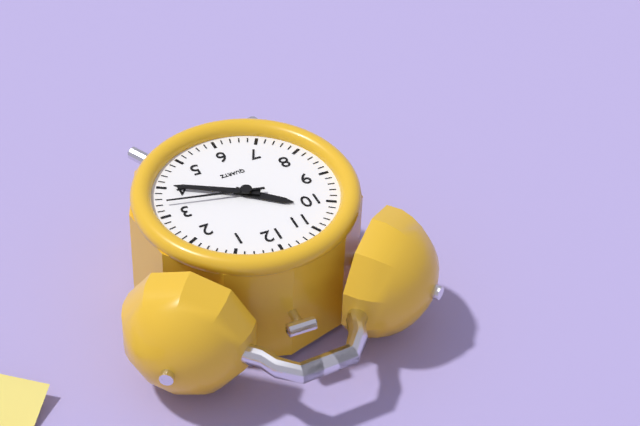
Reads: 10.20.17
